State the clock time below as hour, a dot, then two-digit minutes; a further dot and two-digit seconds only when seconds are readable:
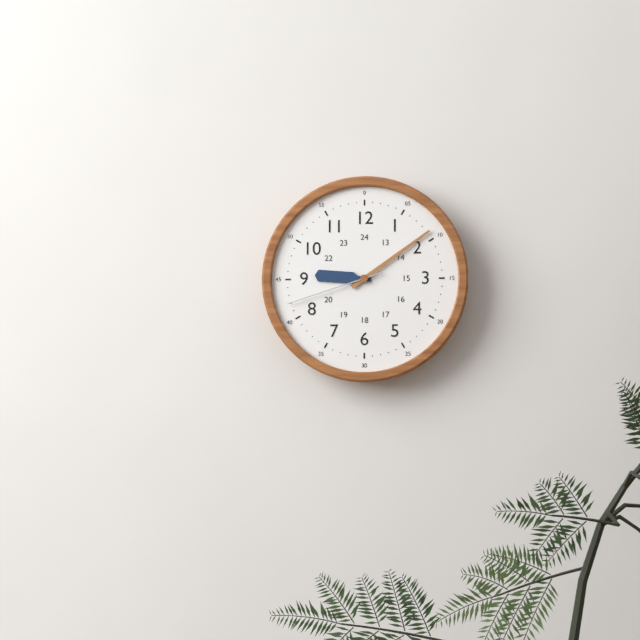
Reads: 9.09.42
